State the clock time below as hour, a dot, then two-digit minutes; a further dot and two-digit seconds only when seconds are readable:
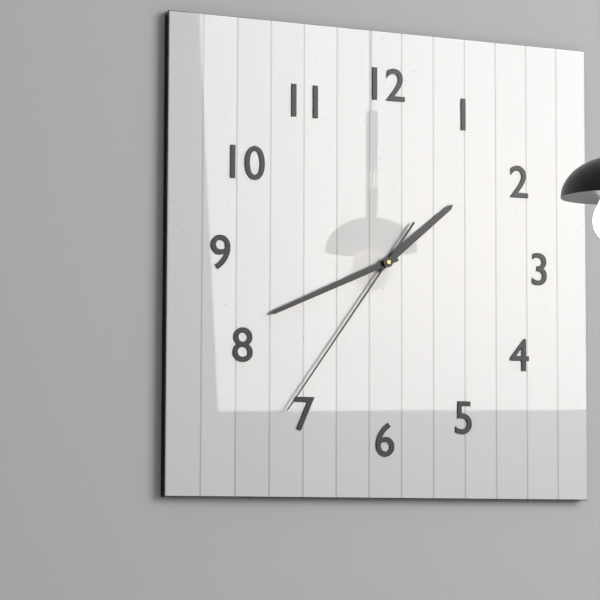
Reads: 1.41.36
